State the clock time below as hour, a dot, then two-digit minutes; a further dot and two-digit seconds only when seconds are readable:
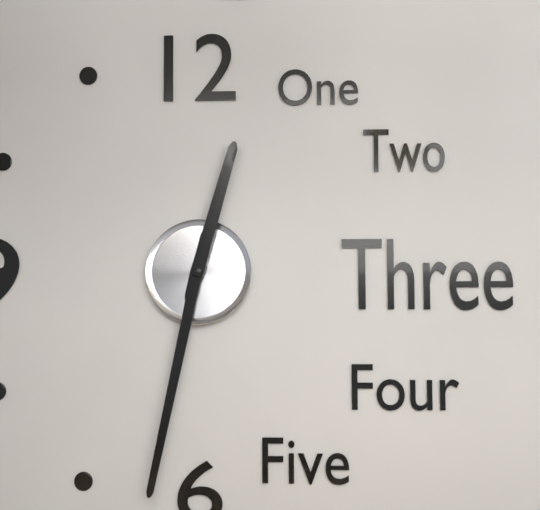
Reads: 12.32
